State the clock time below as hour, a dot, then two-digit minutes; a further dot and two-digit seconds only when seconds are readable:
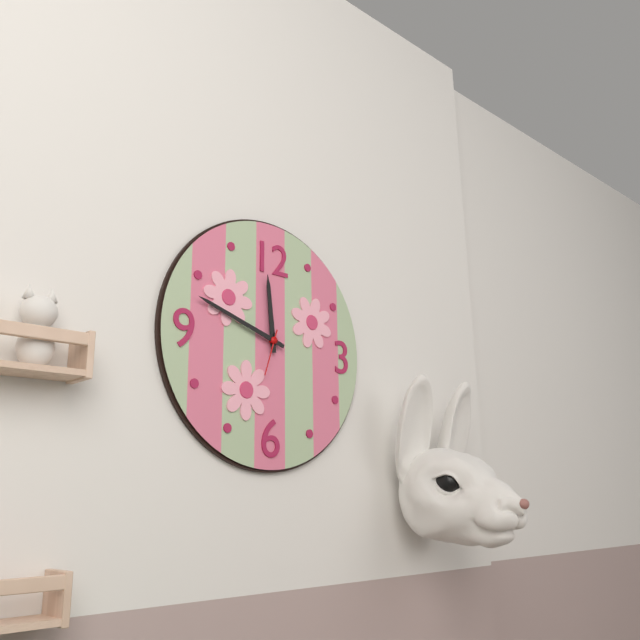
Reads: 11.48
